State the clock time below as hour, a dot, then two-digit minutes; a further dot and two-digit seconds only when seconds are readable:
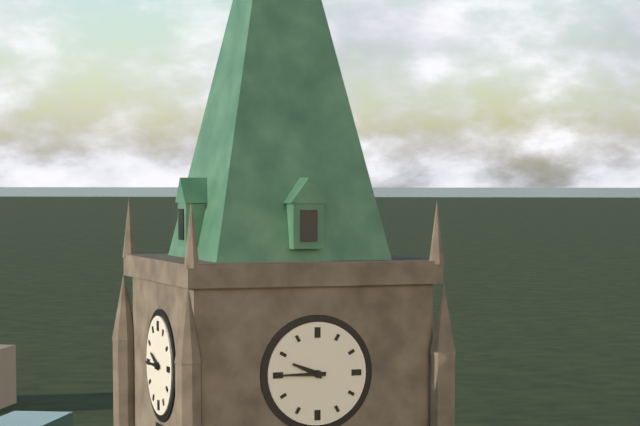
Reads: 9.45
